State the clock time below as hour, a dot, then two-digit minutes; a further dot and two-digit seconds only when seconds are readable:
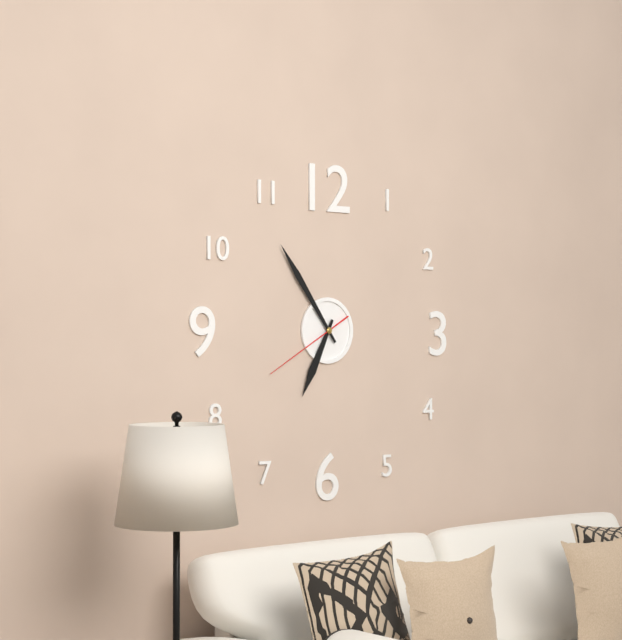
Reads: 6.54.40
